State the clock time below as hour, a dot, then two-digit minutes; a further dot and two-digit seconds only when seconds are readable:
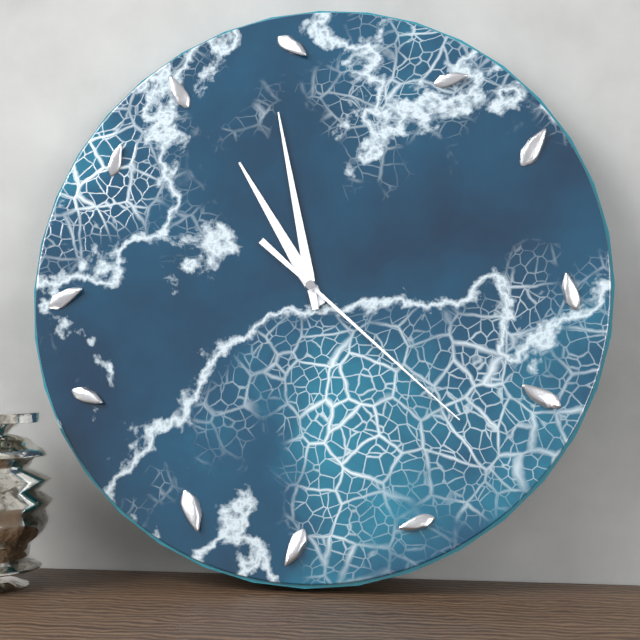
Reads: 10.58.22
